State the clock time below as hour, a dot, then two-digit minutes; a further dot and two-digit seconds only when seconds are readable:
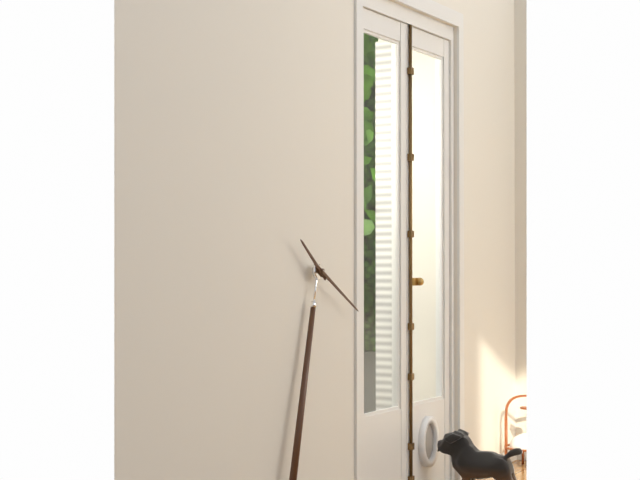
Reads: 10.20
